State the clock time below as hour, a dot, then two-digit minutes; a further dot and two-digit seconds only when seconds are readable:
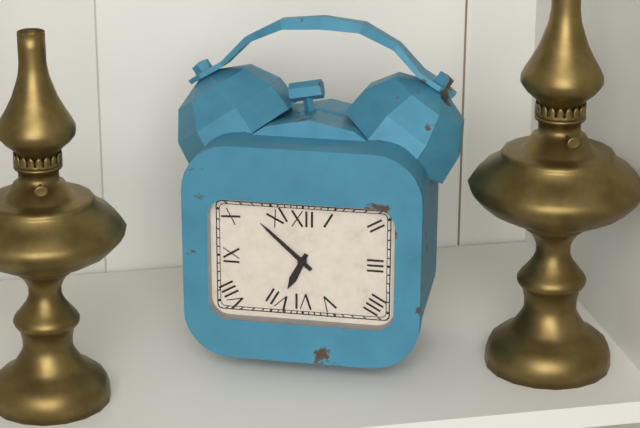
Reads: 6.52
